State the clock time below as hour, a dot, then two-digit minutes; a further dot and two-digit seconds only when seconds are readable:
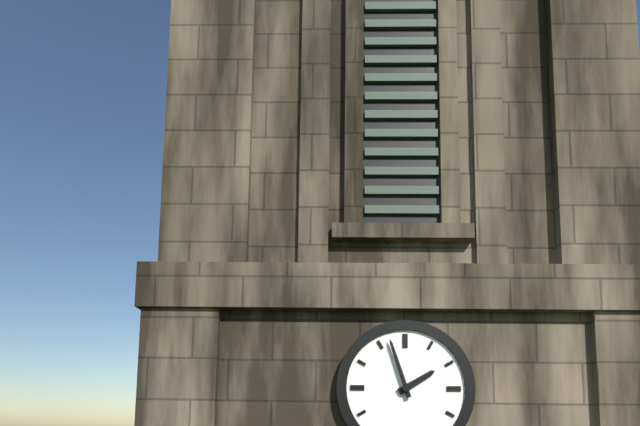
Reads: 1.57
